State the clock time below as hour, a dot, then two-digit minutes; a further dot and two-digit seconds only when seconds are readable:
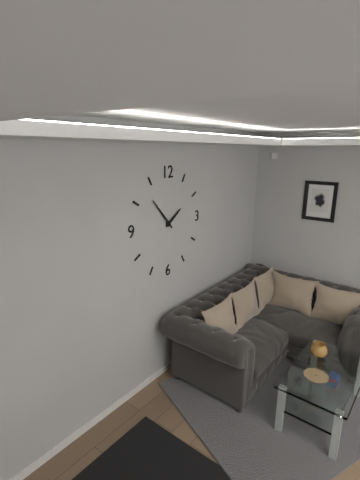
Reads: 1.53
